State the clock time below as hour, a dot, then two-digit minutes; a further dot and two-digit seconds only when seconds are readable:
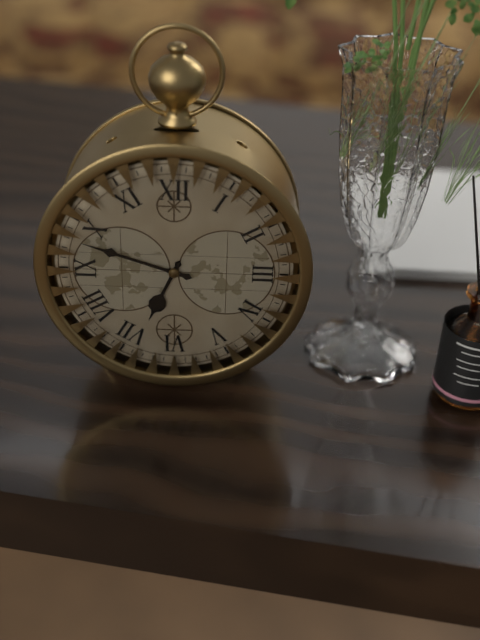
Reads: 6.48
